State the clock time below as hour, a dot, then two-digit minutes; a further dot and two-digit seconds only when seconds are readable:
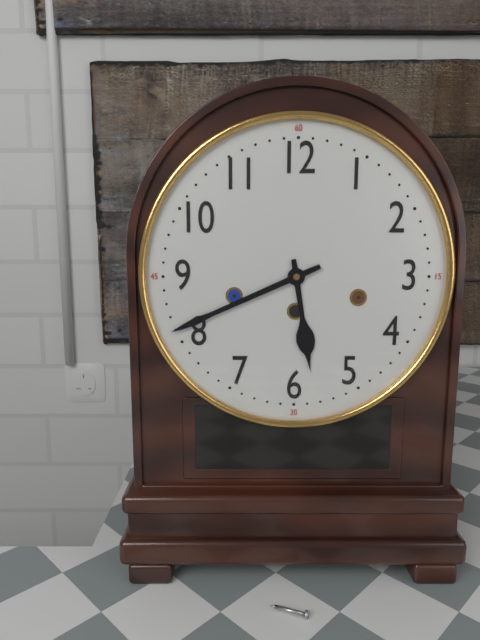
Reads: 5.41
